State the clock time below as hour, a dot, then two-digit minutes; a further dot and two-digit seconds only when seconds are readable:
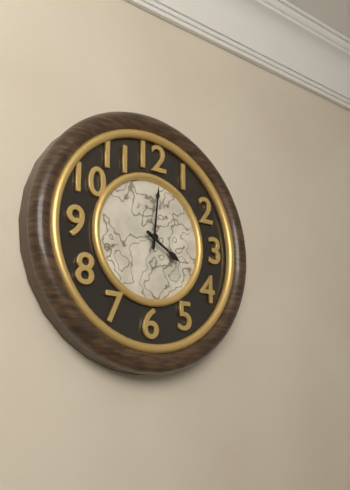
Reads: 4.01
